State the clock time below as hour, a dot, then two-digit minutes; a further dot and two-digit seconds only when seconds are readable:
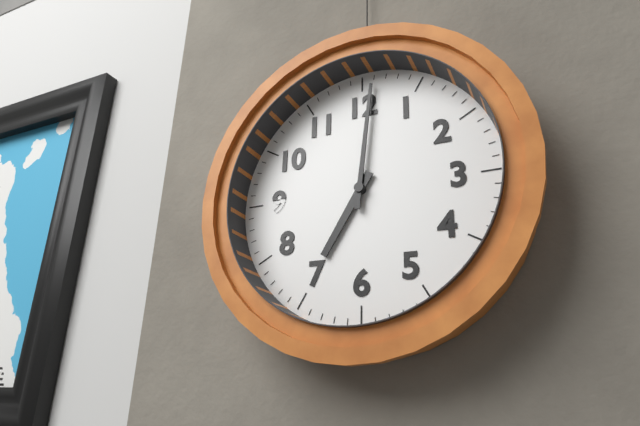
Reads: 7.01
